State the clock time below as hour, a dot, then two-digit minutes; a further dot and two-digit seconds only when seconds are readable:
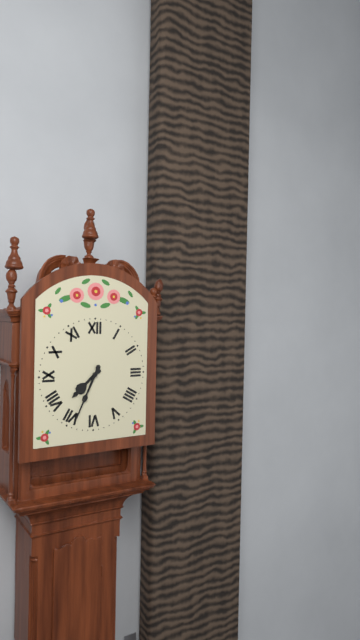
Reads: 7.34
